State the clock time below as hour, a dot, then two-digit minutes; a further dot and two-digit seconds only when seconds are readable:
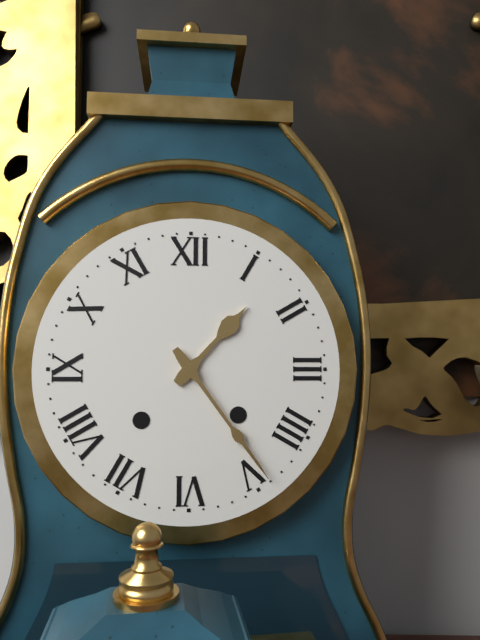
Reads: 1.24
